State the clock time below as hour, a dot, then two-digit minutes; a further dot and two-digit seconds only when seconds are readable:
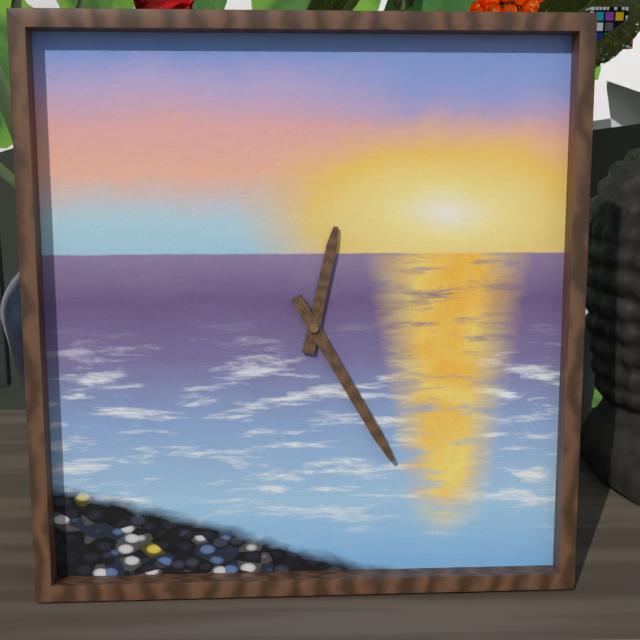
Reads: 12.25
